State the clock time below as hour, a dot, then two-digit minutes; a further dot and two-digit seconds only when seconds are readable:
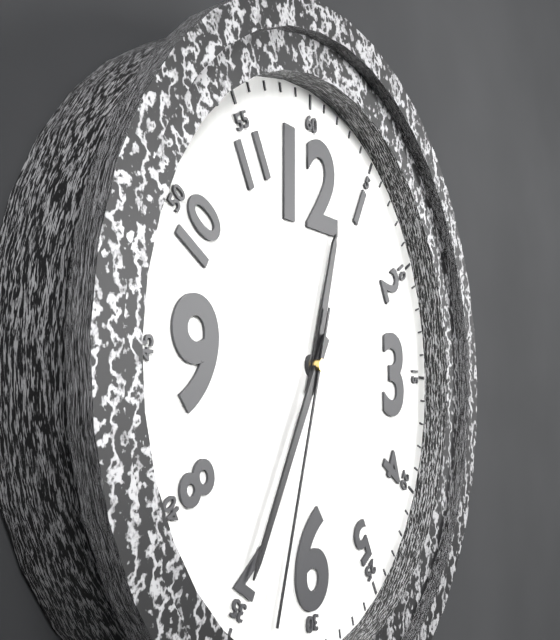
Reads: 12.35.33
